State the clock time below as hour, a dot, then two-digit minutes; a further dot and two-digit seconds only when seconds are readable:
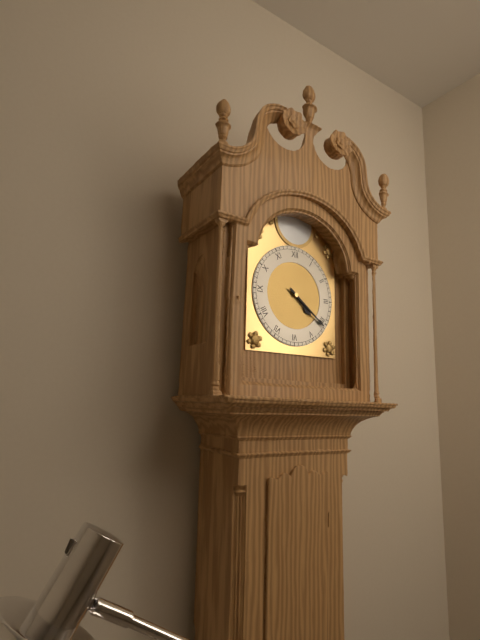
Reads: 4.21
